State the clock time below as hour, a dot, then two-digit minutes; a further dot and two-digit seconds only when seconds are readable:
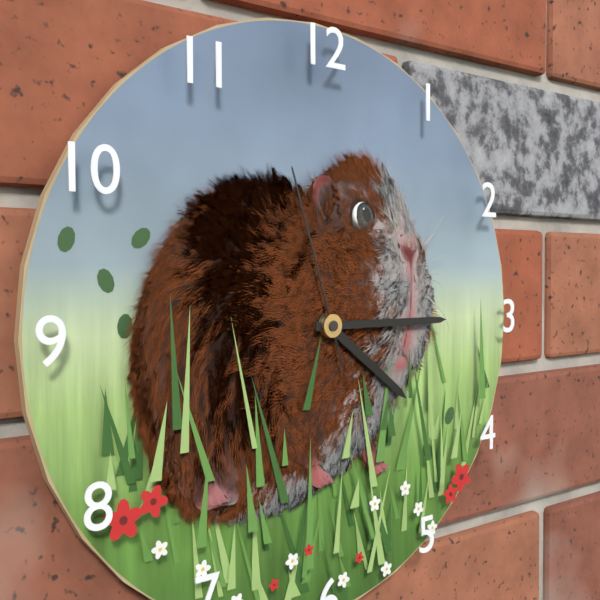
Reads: 4.15.57
